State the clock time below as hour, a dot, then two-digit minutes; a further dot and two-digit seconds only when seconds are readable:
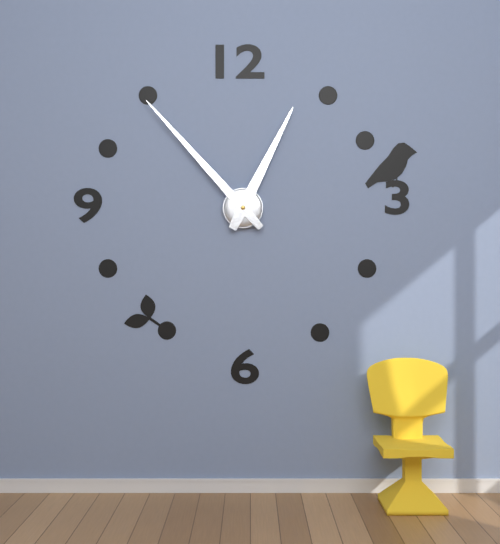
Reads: 12.53
